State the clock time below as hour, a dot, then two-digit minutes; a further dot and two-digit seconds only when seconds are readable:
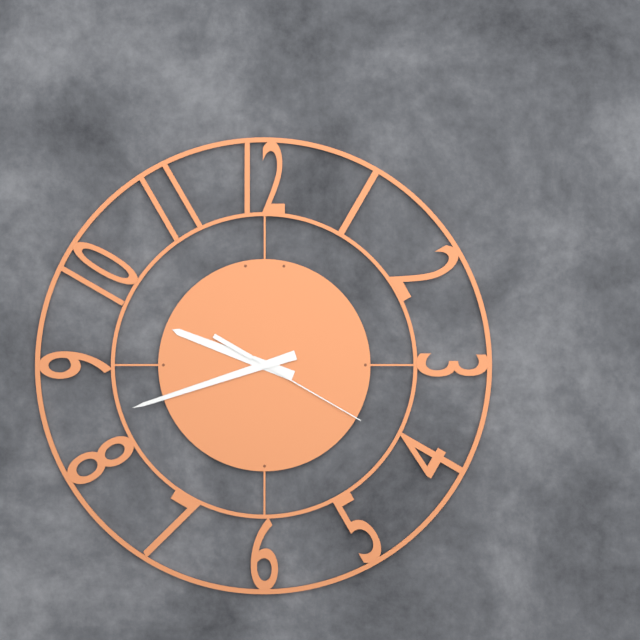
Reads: 9.42.20
